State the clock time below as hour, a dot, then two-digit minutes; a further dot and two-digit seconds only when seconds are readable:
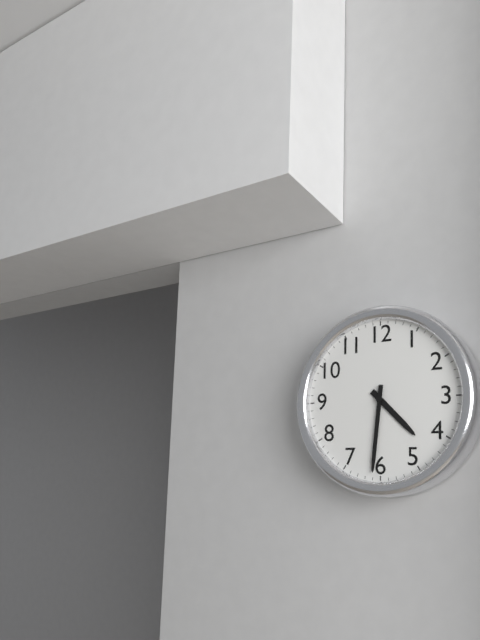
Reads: 4.31
